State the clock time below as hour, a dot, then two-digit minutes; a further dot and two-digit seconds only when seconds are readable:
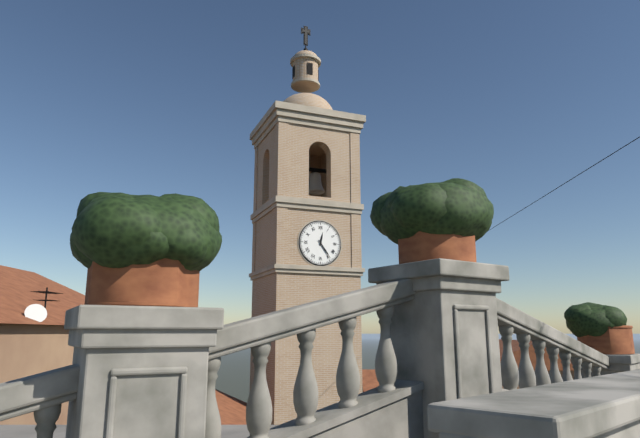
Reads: 12.24
